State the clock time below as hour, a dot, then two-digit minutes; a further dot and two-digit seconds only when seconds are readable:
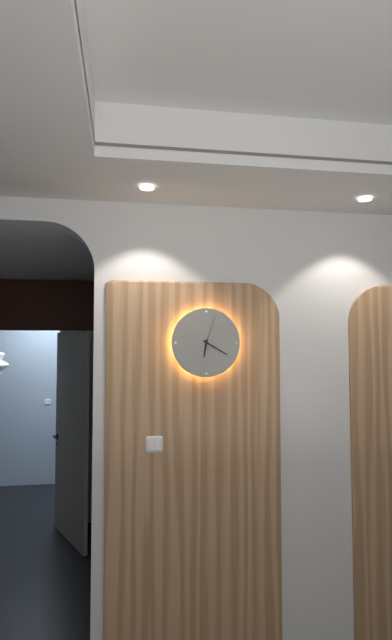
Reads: 6.20
